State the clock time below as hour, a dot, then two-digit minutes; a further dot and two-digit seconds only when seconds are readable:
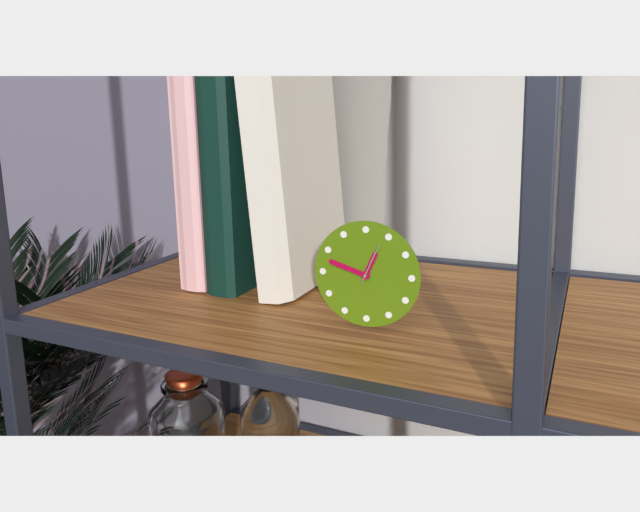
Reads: 12.48
